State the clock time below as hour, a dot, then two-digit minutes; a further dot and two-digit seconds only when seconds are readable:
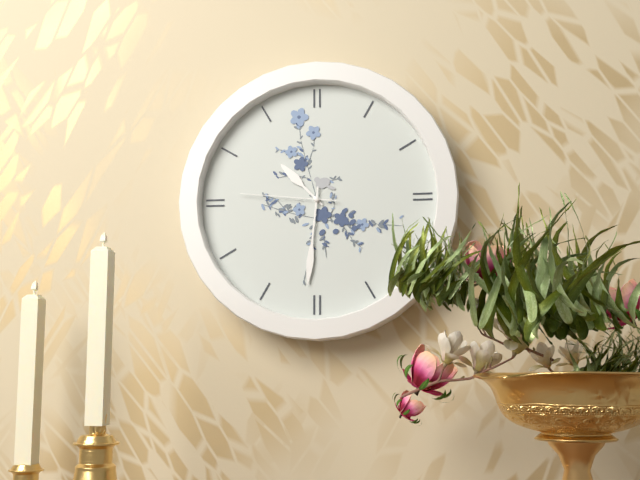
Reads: 10.31.46
